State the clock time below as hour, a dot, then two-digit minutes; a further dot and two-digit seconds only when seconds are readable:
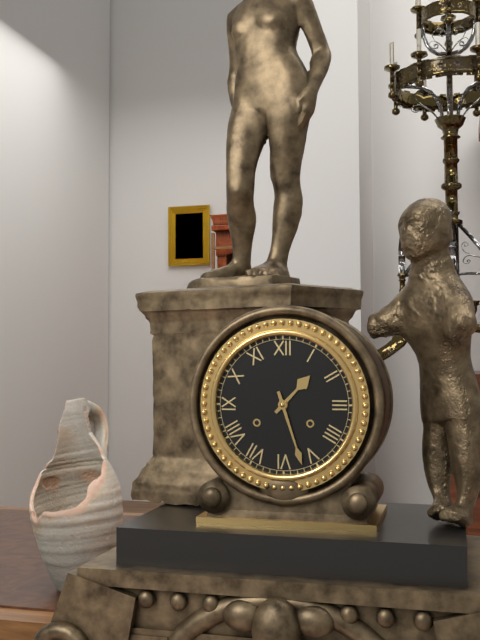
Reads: 1.27
